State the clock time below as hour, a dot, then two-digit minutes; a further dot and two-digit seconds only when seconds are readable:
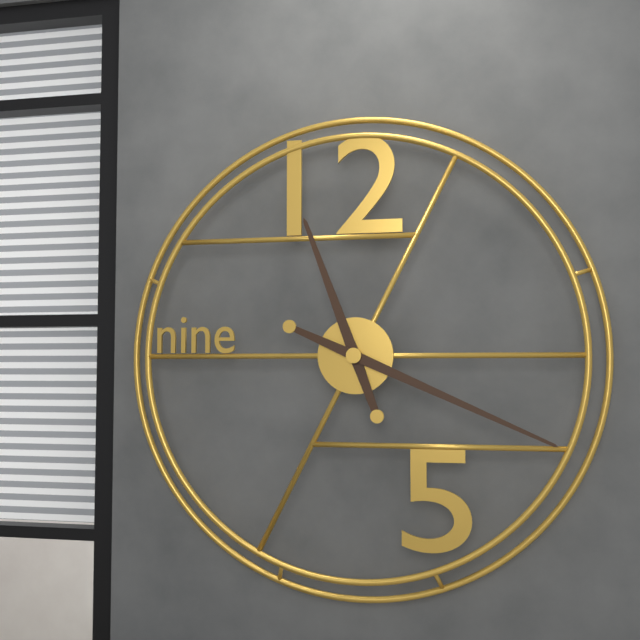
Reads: 11.19
